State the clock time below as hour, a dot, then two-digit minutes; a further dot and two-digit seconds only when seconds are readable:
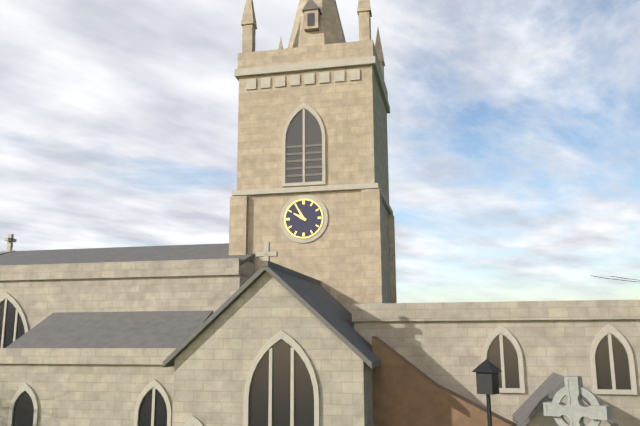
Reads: 9.55
